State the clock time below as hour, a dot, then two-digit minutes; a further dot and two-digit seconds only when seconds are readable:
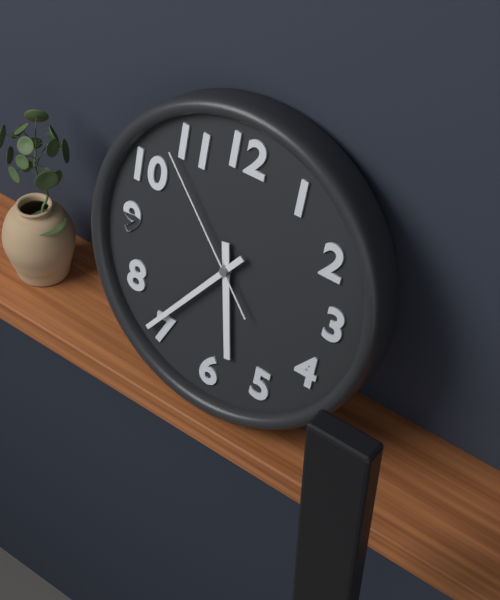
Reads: 5.36.53
